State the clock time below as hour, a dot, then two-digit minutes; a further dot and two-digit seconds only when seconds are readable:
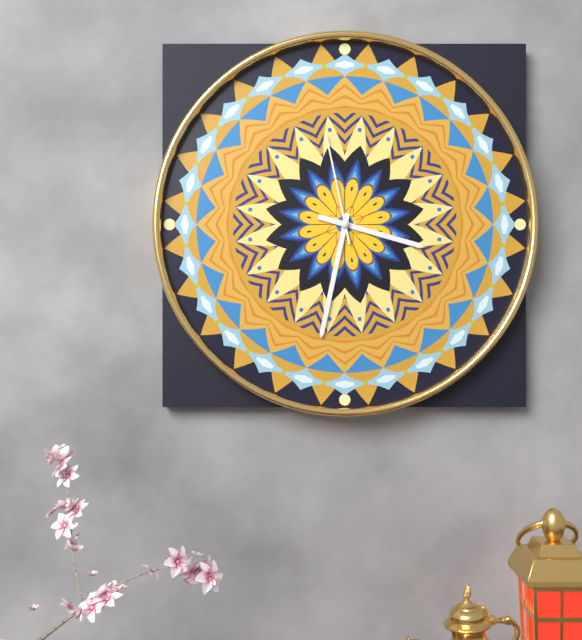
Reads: 3.32.58
